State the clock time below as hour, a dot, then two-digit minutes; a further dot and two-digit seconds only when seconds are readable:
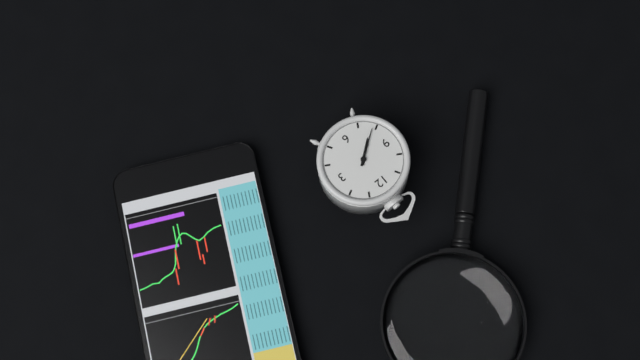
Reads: 7.39
